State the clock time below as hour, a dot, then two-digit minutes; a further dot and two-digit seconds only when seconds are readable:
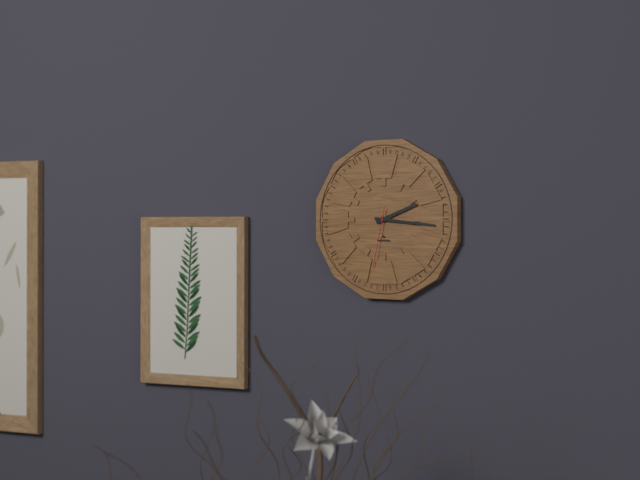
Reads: 2.16.32
